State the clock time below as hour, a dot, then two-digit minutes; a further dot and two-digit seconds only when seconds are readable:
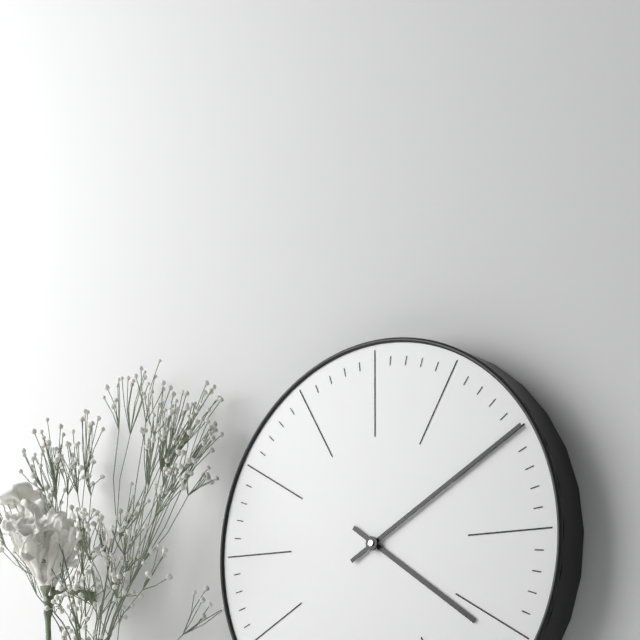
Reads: 4.10
